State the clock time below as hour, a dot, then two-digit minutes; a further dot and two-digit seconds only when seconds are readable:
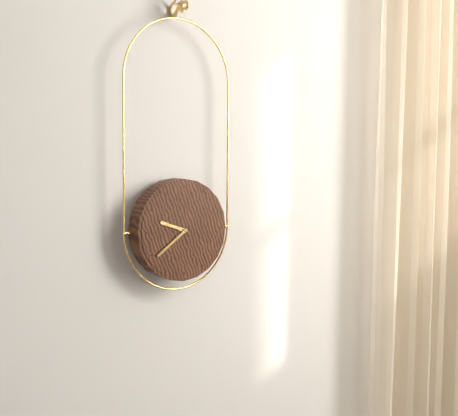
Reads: 9.39
